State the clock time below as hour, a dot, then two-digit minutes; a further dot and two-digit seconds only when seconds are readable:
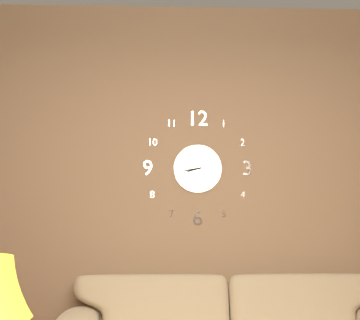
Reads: 8.42
